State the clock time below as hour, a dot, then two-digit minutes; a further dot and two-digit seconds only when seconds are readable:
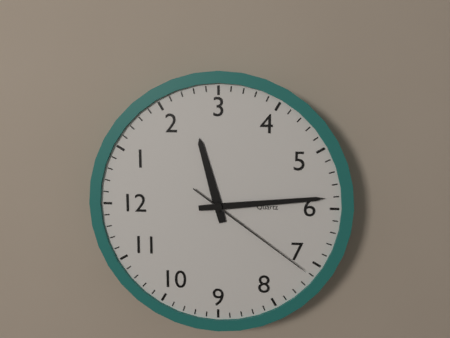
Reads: 2.29.36
